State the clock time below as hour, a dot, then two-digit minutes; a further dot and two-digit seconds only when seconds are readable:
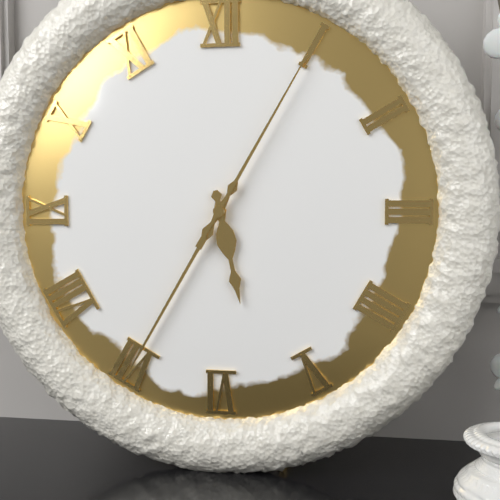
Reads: 5.35.05
